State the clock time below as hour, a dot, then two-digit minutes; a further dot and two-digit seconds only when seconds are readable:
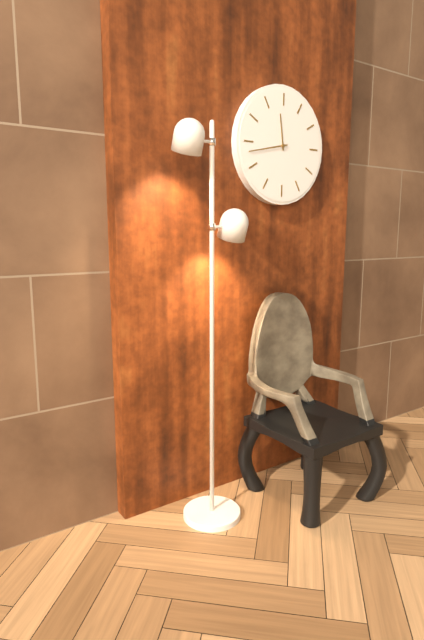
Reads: 11.43
